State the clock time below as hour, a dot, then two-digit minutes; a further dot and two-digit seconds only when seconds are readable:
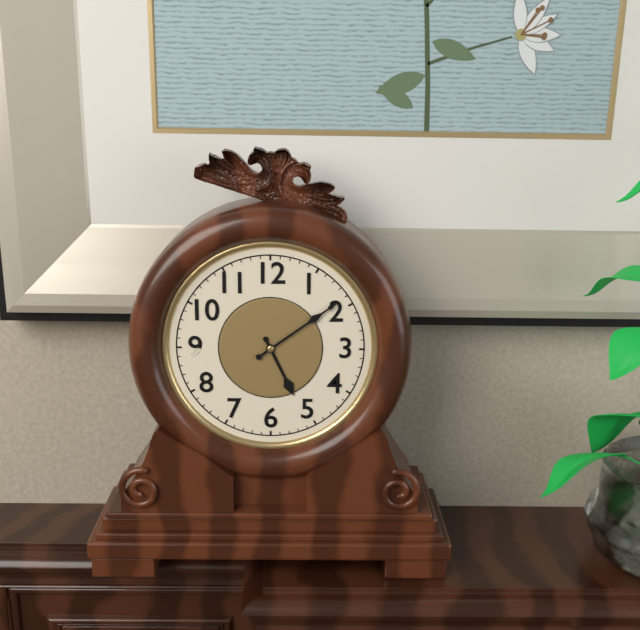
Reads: 5.09
